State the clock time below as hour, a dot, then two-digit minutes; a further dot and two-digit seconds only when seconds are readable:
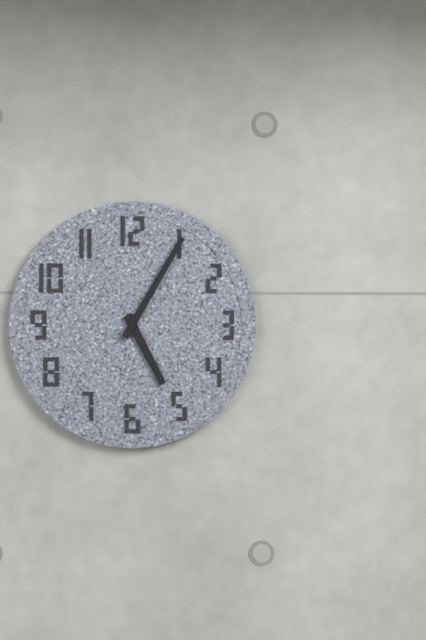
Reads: 5.05
